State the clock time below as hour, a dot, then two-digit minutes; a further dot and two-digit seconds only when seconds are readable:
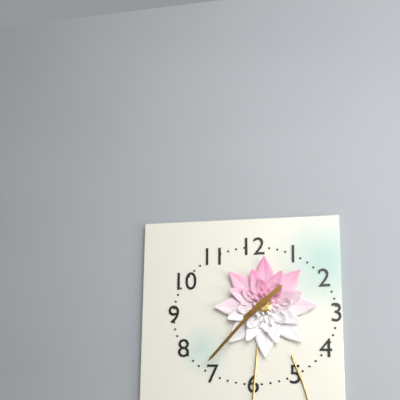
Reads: 1.37
